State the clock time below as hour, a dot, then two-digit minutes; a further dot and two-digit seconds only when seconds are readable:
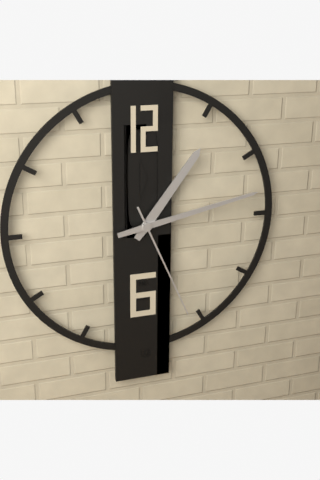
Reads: 1.13.26
